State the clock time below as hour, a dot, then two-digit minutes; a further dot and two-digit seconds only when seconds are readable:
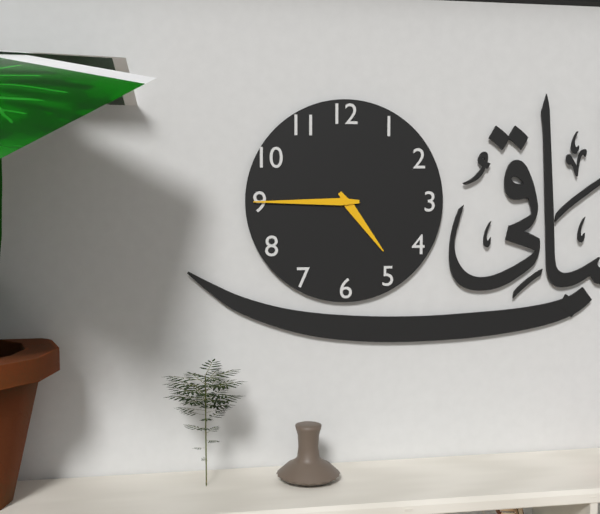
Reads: 4.45
